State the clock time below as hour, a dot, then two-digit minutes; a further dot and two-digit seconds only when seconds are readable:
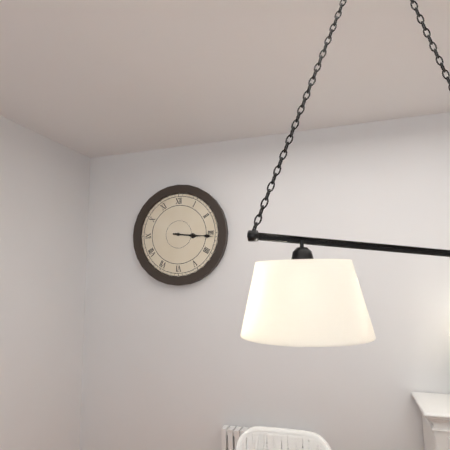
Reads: 3.16
